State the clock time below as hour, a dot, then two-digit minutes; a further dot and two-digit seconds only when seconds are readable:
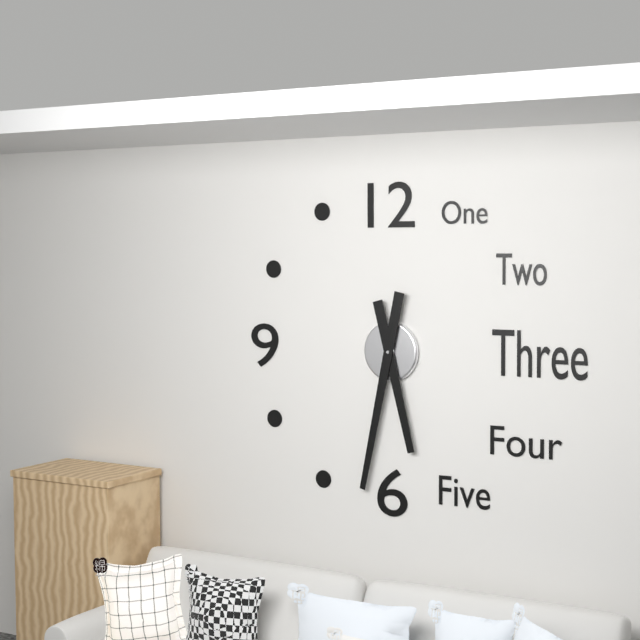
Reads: 5.32
